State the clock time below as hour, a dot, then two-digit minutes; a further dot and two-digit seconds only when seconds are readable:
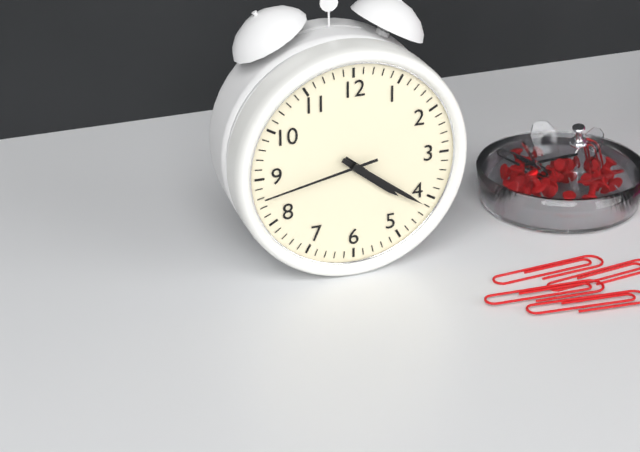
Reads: 4.21.43
